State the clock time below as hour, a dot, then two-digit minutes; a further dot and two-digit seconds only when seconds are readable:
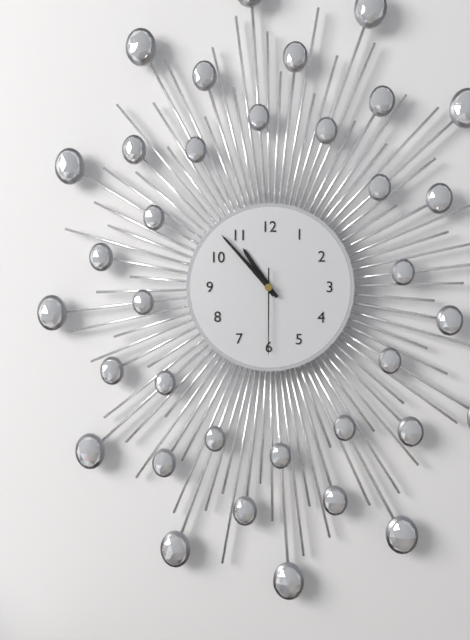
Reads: 10.53.30
